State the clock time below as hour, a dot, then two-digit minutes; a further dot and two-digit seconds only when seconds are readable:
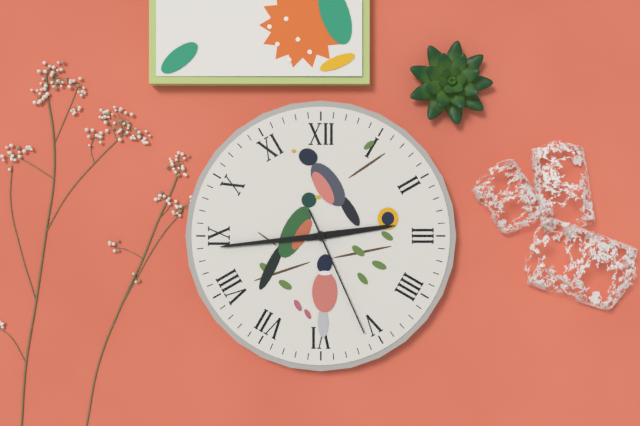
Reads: 2.44.26
